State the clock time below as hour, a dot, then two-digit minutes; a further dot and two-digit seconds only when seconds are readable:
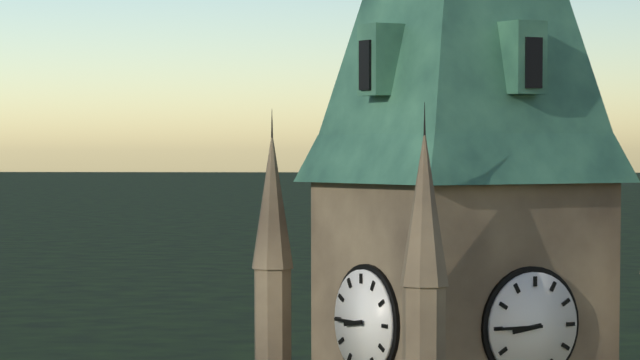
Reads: 8.45
